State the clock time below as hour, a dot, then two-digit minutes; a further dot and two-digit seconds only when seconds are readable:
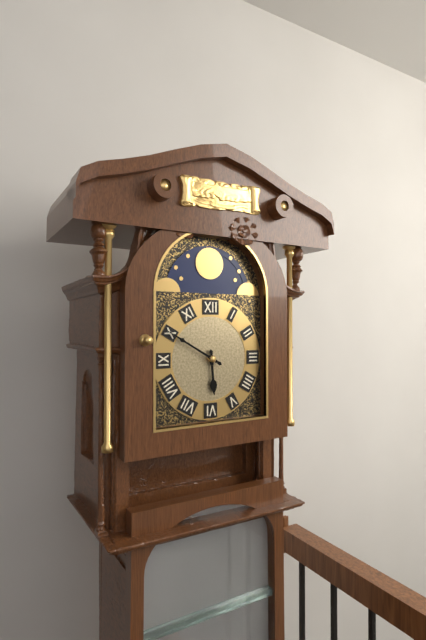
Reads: 5.50
